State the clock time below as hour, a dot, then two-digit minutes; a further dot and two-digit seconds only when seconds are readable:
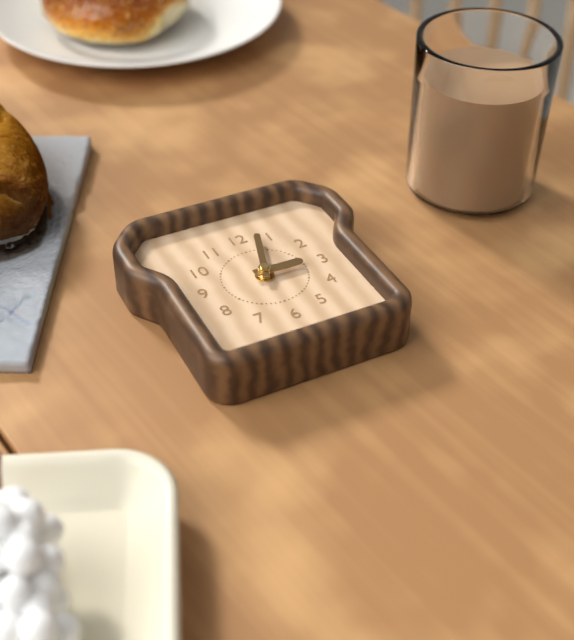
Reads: 3.03
